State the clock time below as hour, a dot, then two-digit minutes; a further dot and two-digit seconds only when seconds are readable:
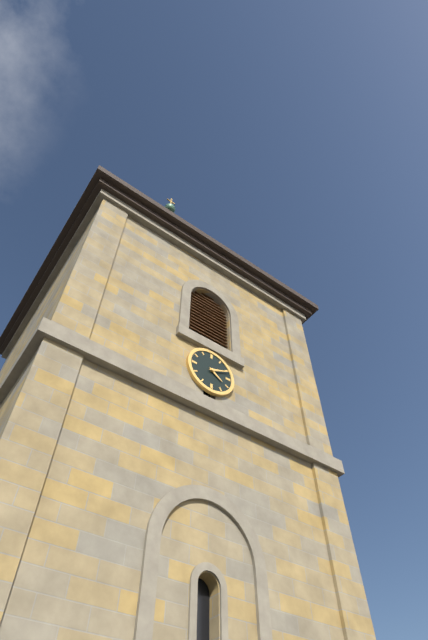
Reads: 4.11
